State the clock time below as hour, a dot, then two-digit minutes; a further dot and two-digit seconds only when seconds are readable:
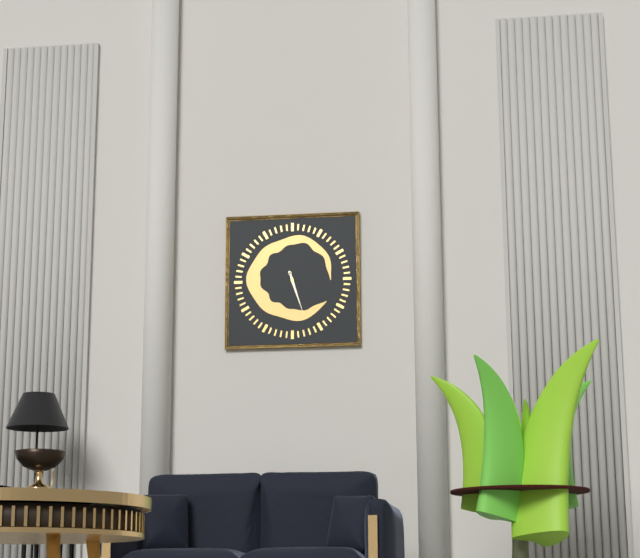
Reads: 5.27
